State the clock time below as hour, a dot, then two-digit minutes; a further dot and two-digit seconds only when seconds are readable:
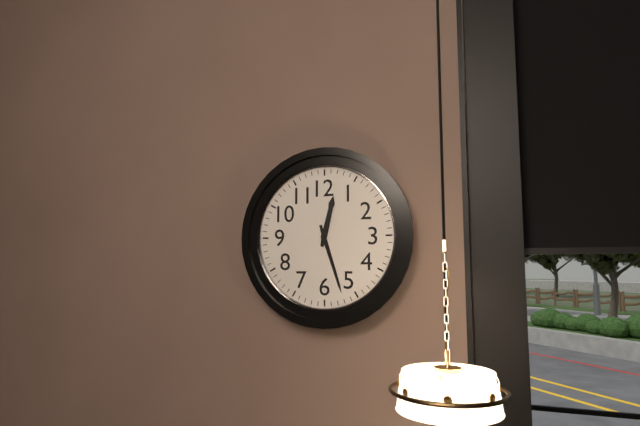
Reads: 12.27
